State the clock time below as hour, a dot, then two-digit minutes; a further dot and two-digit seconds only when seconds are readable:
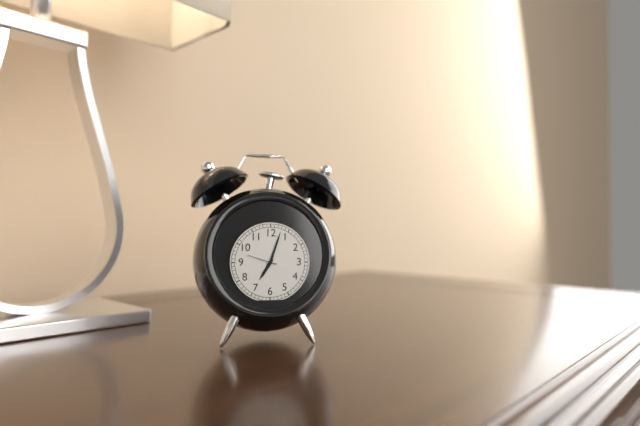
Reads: 7.03
